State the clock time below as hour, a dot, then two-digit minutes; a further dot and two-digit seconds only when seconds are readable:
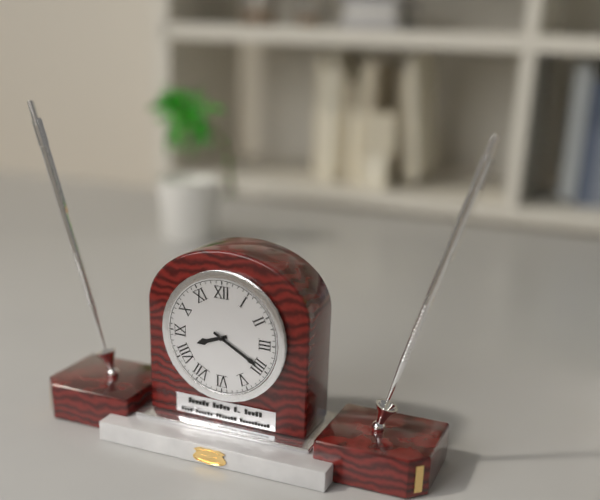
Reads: 8.20
